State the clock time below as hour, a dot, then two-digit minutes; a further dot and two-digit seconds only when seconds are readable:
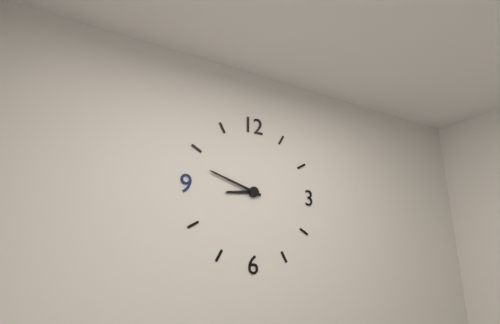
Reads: 8.48
